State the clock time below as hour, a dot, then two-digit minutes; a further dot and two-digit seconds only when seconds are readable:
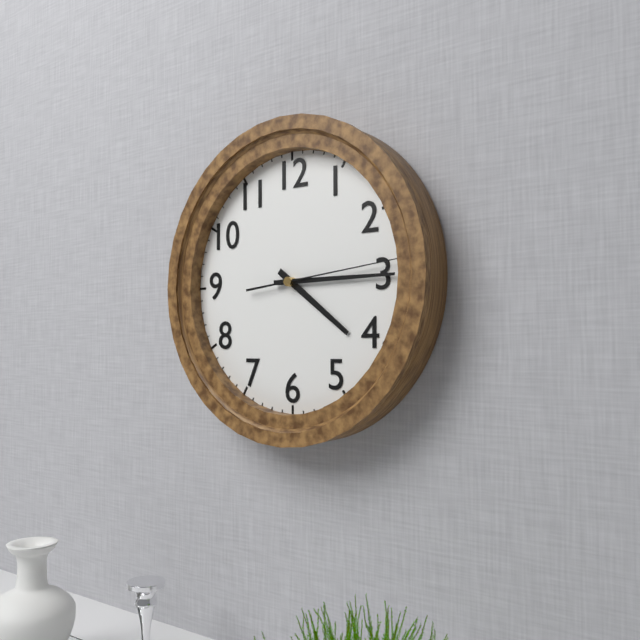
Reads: 4.15.14
